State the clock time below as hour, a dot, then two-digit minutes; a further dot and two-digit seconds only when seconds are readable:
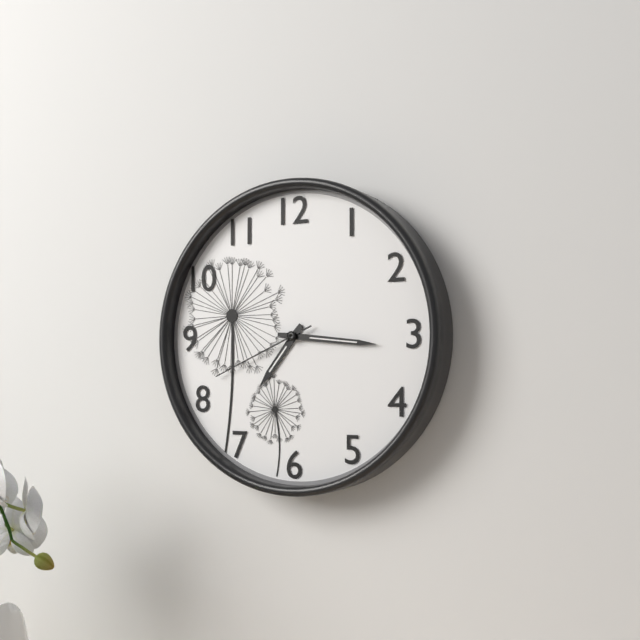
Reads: 7.16.41
